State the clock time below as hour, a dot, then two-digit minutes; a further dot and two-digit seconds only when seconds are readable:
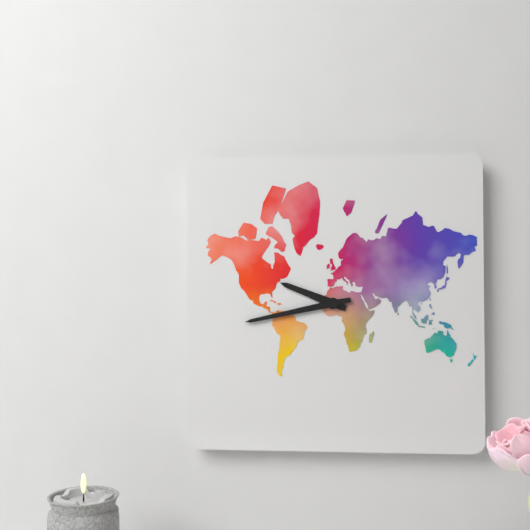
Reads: 9.43
